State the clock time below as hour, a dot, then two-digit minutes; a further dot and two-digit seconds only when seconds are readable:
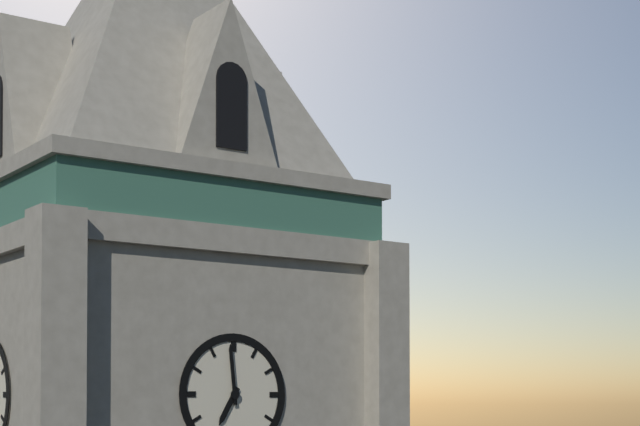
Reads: 6.59
